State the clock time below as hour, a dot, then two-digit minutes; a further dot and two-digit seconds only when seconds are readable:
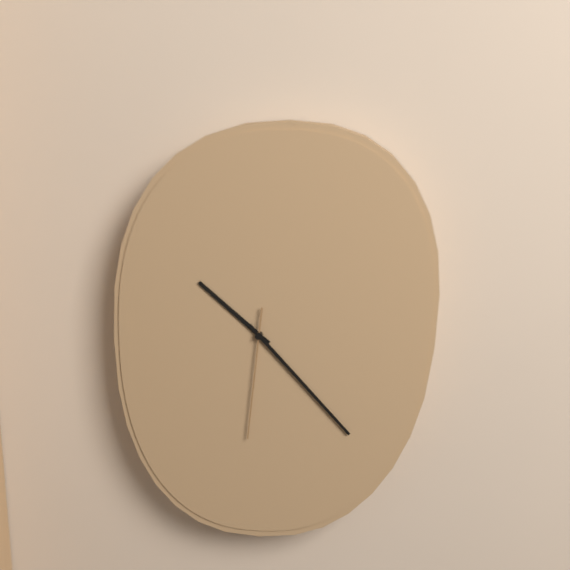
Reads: 10.23.31
